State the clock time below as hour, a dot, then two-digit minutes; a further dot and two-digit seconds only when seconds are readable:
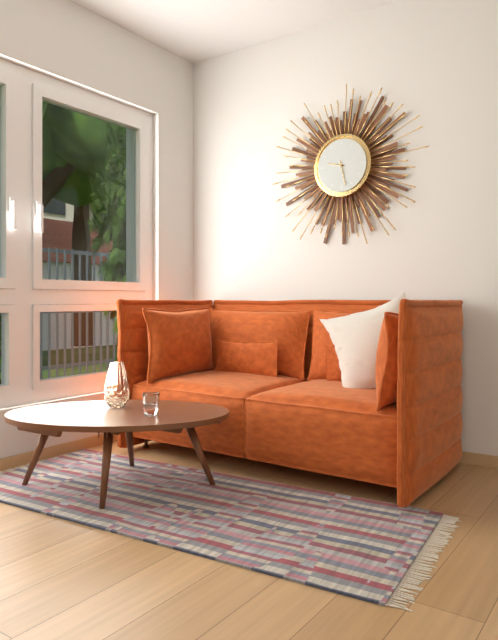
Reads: 9.28
